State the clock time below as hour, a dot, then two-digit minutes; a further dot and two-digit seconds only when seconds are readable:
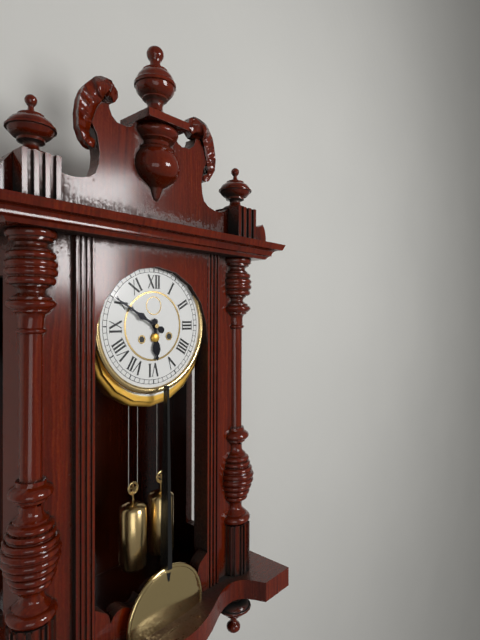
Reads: 5.50
